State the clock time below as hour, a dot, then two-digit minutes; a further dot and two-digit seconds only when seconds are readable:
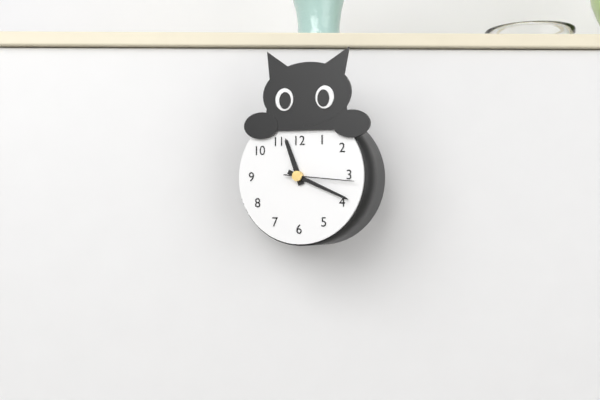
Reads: 11.19.16
